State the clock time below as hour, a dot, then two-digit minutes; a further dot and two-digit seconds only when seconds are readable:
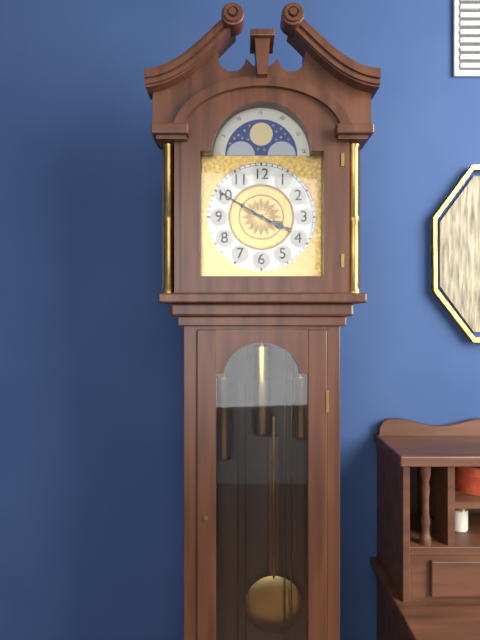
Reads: 3.50
